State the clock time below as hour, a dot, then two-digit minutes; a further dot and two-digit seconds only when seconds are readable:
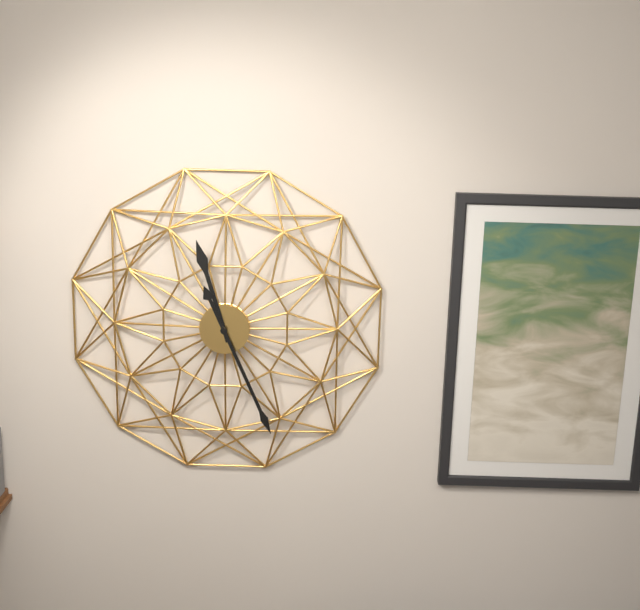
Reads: 11.26
